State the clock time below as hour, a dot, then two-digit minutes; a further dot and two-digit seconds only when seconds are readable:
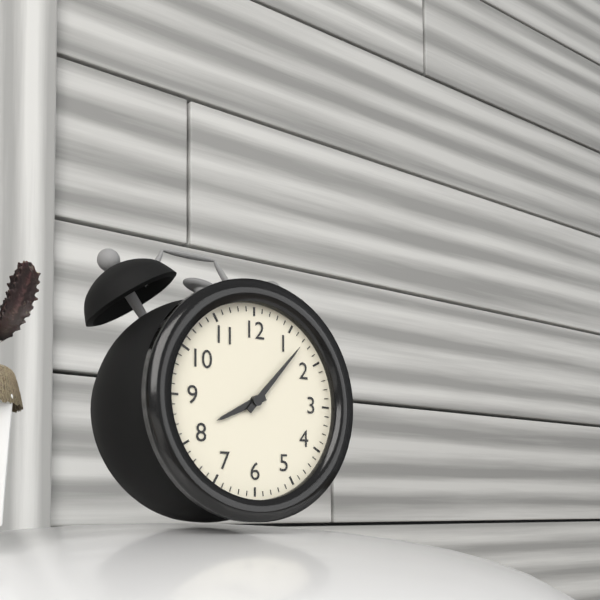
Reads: 8.07
